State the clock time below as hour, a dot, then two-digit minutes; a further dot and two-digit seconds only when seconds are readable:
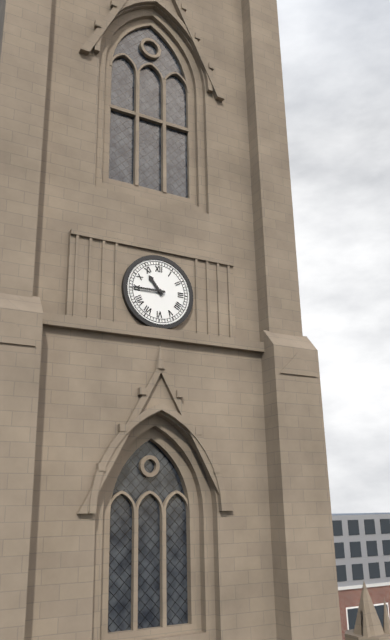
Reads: 10.45
